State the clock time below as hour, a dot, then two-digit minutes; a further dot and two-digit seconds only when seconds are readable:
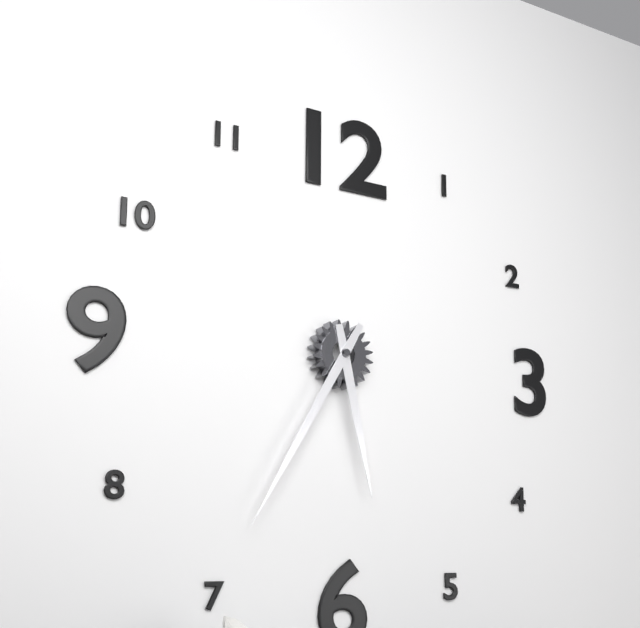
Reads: 5.35
